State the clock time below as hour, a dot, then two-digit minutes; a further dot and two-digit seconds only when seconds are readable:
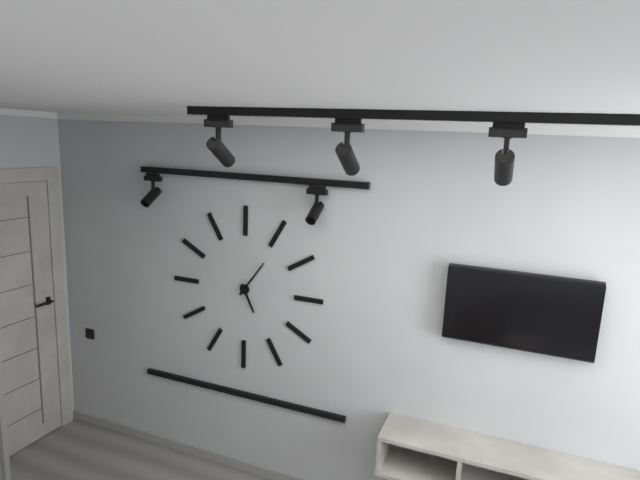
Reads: 5.06
